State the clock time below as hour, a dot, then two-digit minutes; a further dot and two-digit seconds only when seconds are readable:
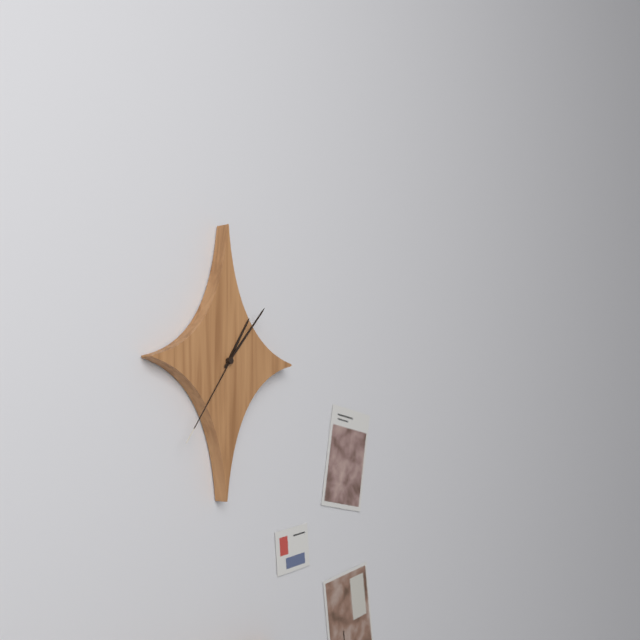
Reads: 1.07.36
